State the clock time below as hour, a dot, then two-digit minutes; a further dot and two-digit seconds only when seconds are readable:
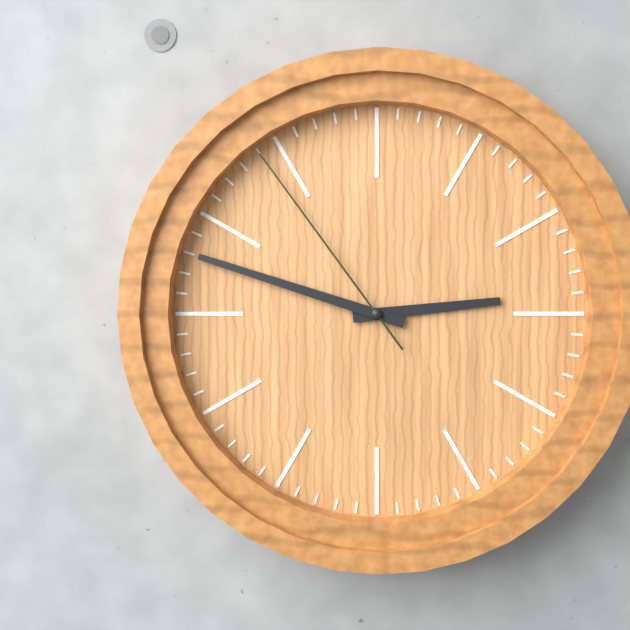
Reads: 2.48.54
